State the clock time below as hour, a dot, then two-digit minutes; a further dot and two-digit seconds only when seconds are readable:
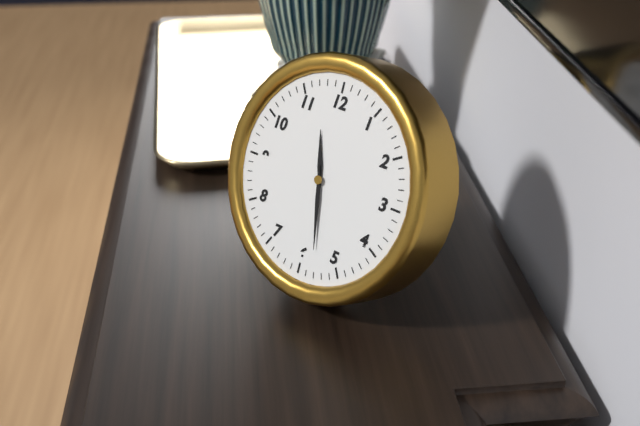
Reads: 11.28
